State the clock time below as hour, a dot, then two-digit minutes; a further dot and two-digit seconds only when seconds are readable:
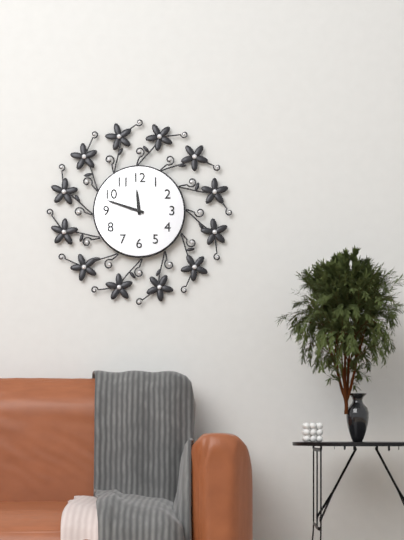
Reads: 11.48
